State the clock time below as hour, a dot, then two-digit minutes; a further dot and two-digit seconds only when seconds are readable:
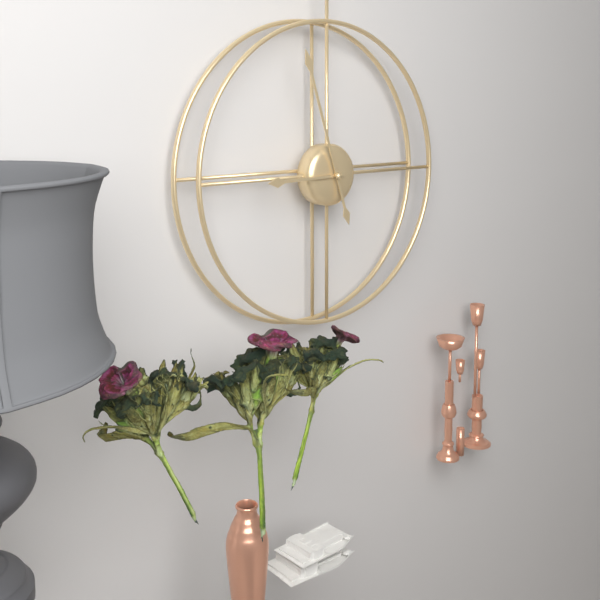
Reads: 8.57
